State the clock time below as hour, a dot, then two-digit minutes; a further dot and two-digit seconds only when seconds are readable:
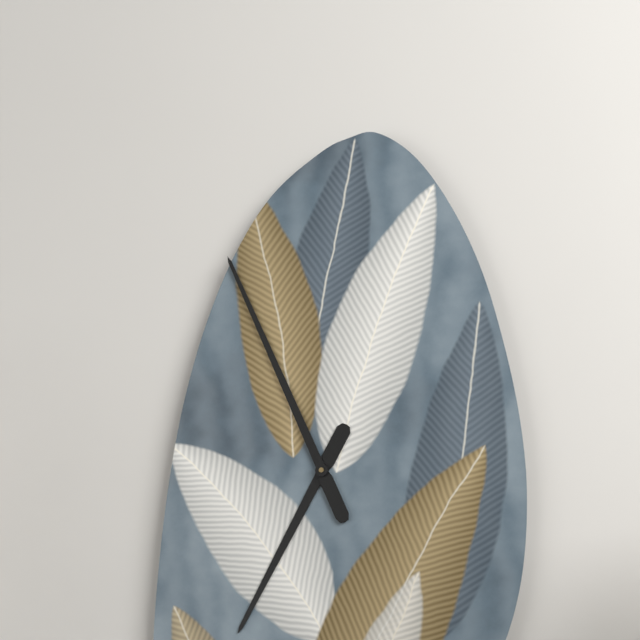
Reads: 6.56
